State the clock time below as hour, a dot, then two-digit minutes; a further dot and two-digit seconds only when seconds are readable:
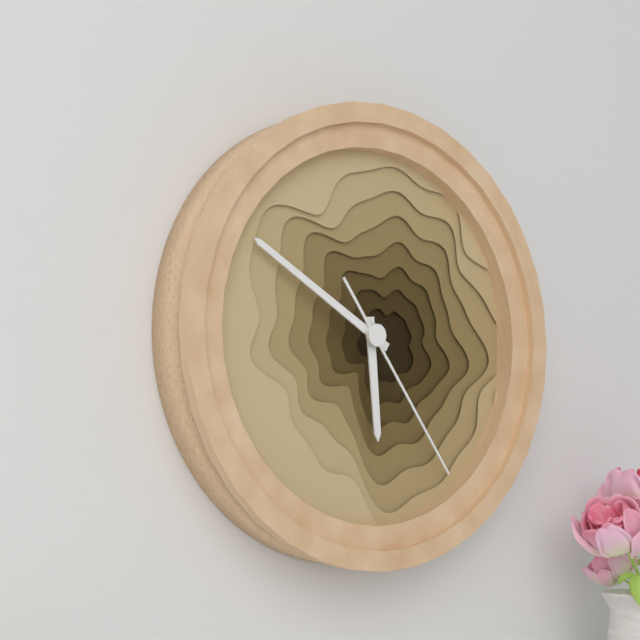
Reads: 5.50.24
